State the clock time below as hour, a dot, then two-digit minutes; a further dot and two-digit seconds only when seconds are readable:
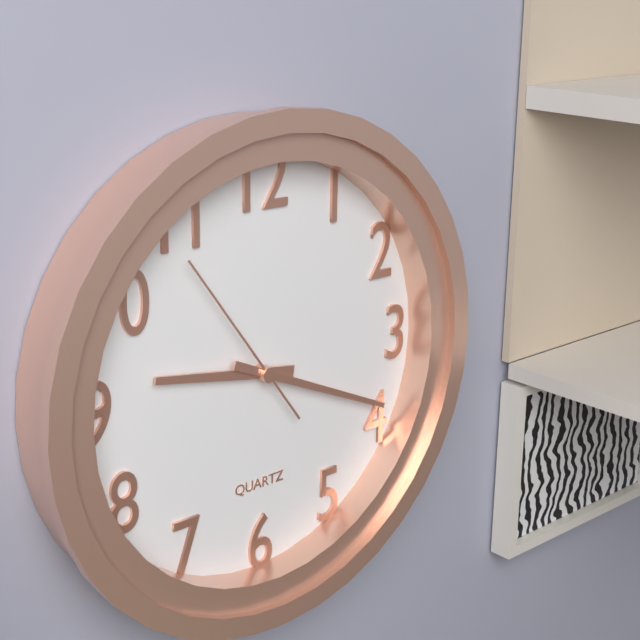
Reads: 9.19.54
